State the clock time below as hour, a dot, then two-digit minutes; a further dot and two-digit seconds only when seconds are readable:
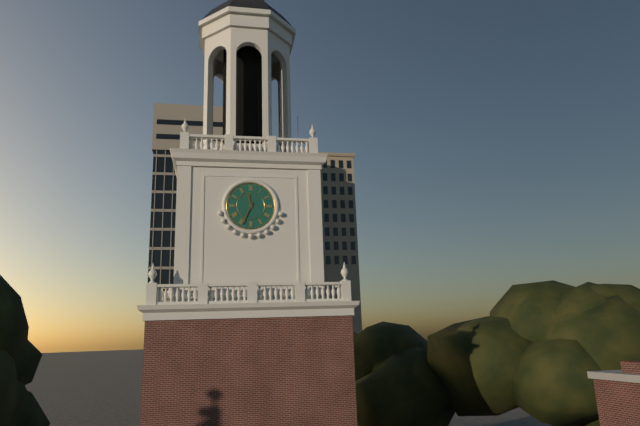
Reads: 11.34
